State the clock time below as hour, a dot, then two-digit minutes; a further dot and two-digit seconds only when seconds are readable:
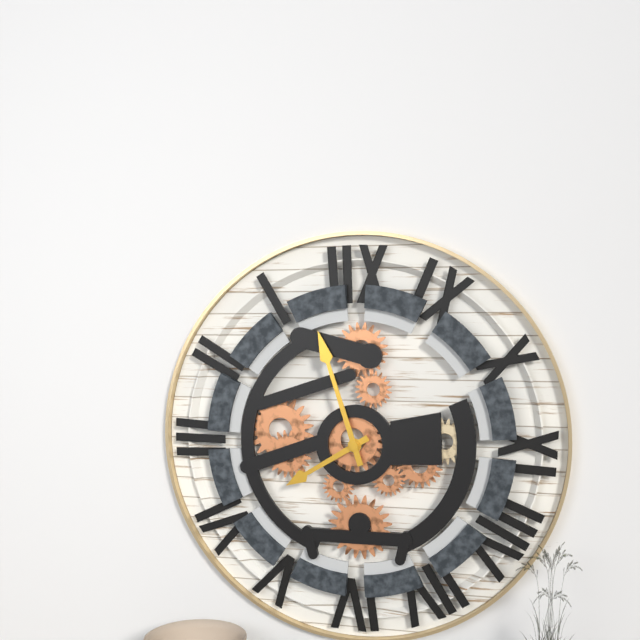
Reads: 7.57
